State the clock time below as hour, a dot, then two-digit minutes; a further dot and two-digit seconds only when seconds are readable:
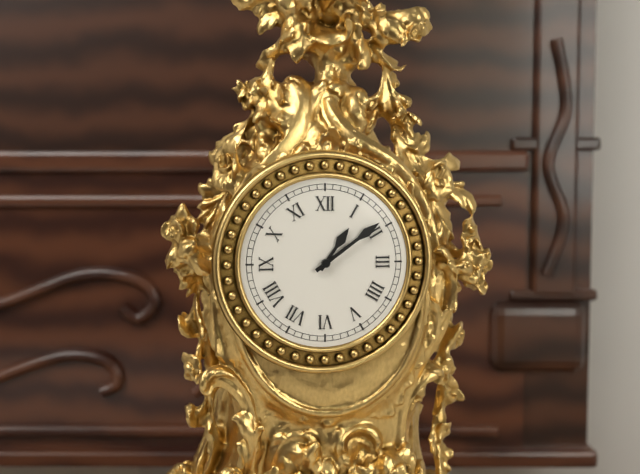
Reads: 1.09
